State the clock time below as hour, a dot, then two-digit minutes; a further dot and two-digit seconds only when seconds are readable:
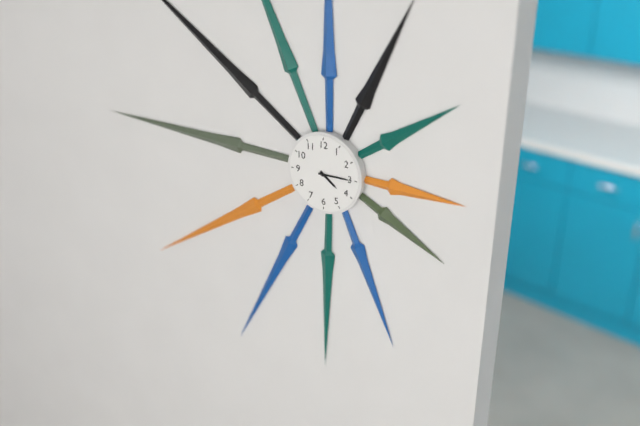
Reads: 4.15
